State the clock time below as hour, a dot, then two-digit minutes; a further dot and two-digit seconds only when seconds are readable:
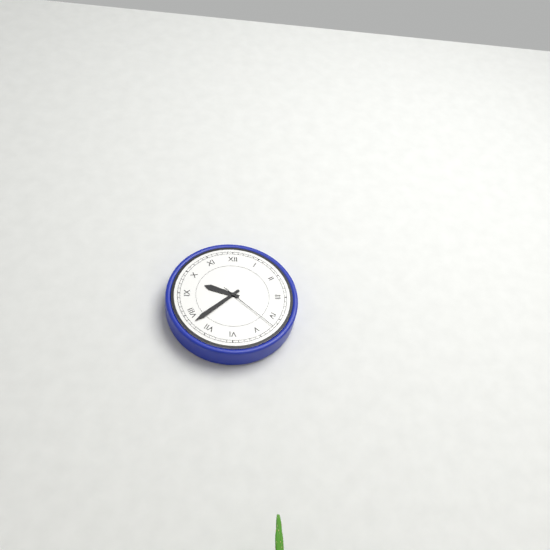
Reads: 9.38.22
